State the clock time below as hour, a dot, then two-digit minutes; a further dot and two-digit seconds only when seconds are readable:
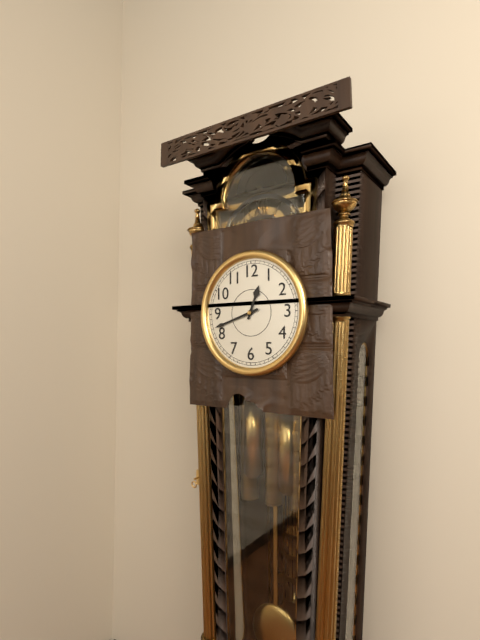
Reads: 12.42
